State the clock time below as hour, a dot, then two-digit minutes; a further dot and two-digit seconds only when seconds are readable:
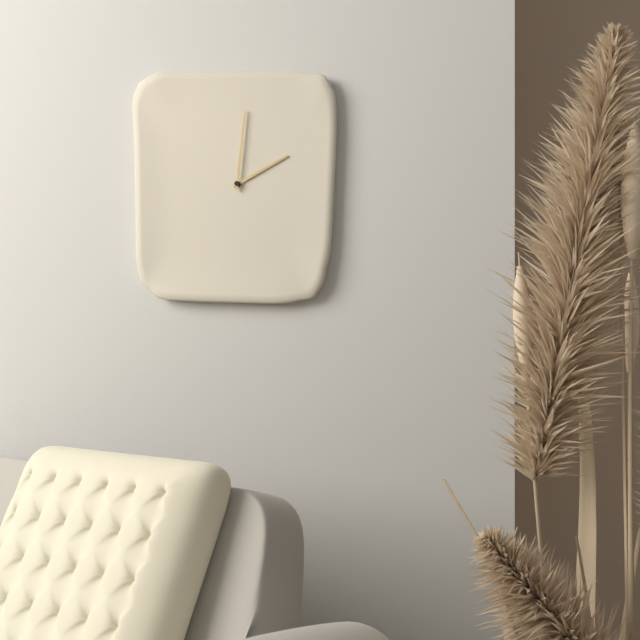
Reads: 2.01
